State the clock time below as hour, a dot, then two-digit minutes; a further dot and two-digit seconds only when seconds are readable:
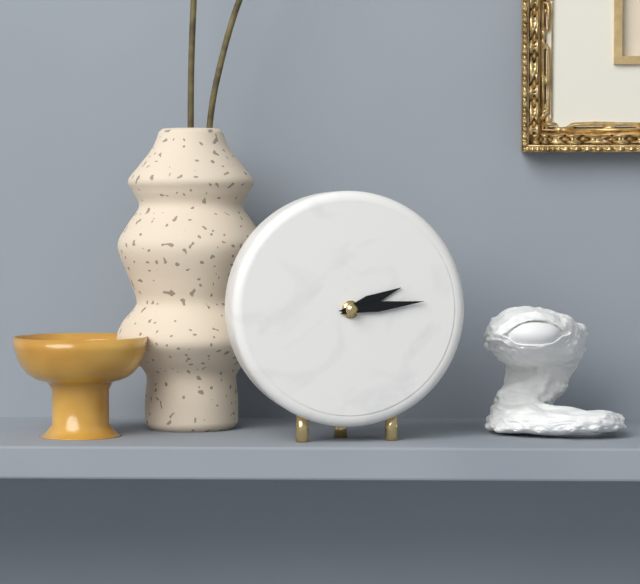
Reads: 2.14
